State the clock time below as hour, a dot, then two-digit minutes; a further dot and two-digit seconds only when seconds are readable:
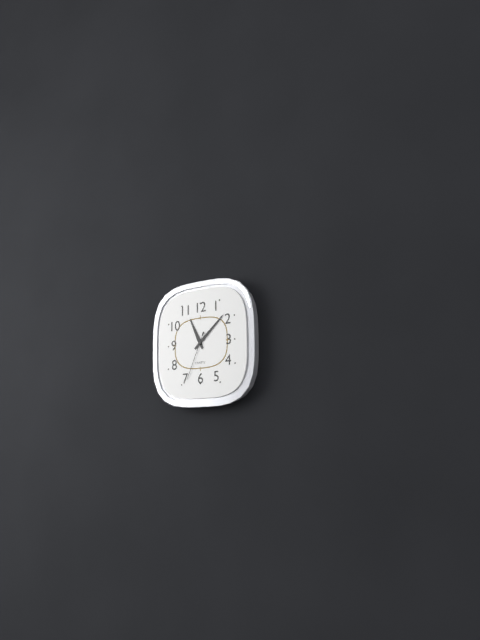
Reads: 11.08
